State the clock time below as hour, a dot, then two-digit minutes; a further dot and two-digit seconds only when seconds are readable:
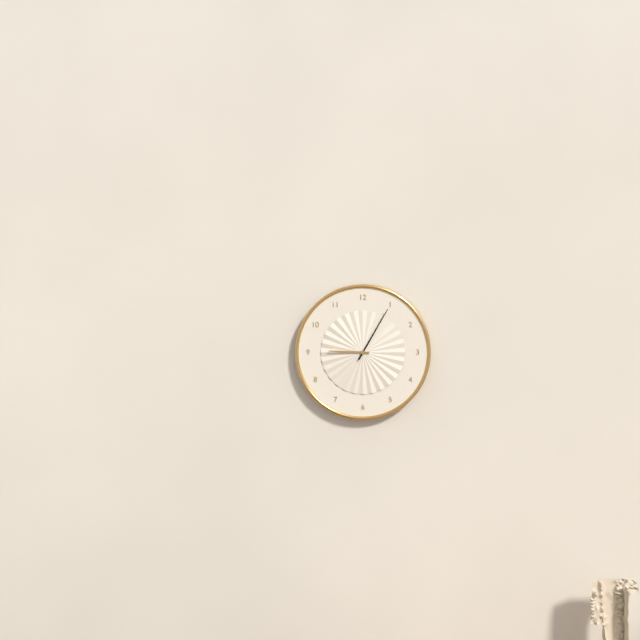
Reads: 9.05
